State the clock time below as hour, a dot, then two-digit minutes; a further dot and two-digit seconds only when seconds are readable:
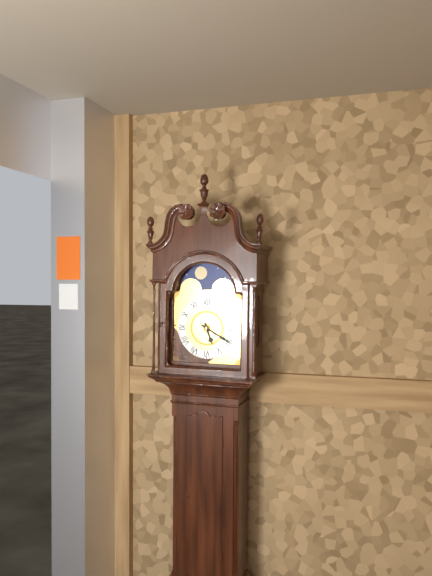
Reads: 5.20
